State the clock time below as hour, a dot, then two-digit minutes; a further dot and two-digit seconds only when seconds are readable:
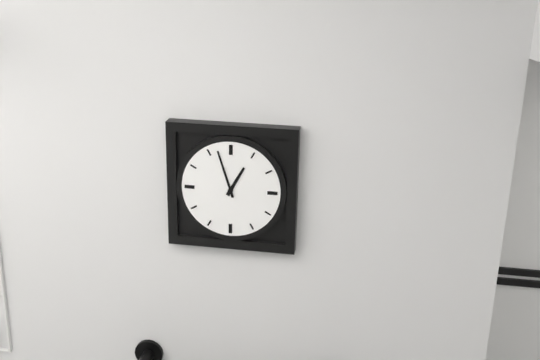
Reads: 12.57
